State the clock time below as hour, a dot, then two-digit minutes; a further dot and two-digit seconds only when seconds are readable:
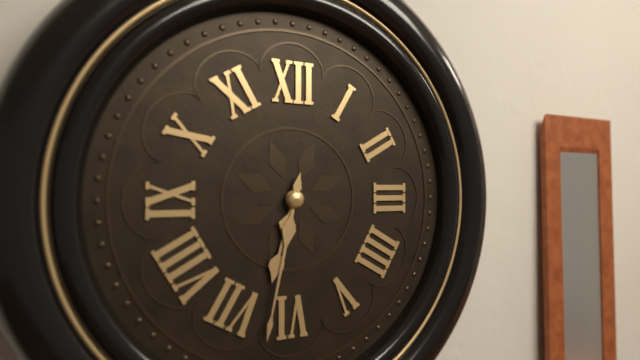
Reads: 6.32
